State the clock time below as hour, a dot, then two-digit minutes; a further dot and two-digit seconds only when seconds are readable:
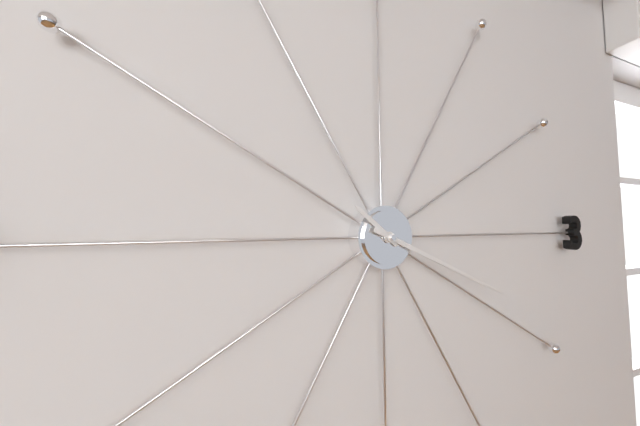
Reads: 10.19
